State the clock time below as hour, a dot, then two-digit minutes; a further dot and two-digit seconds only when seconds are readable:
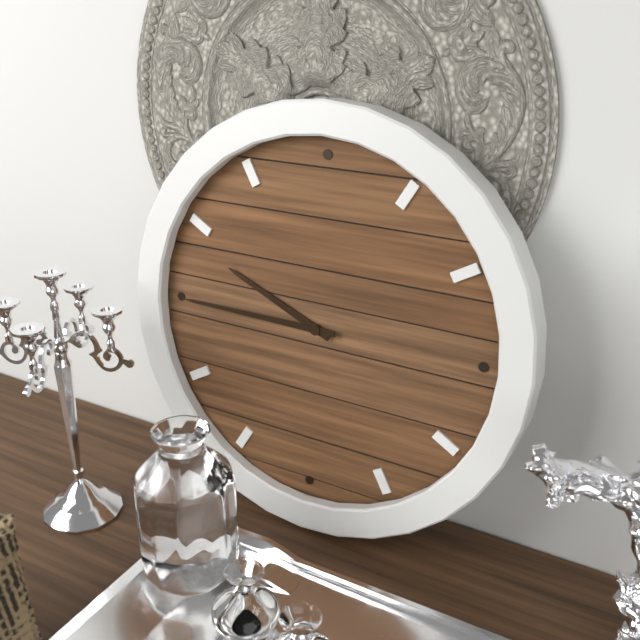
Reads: 9.45
